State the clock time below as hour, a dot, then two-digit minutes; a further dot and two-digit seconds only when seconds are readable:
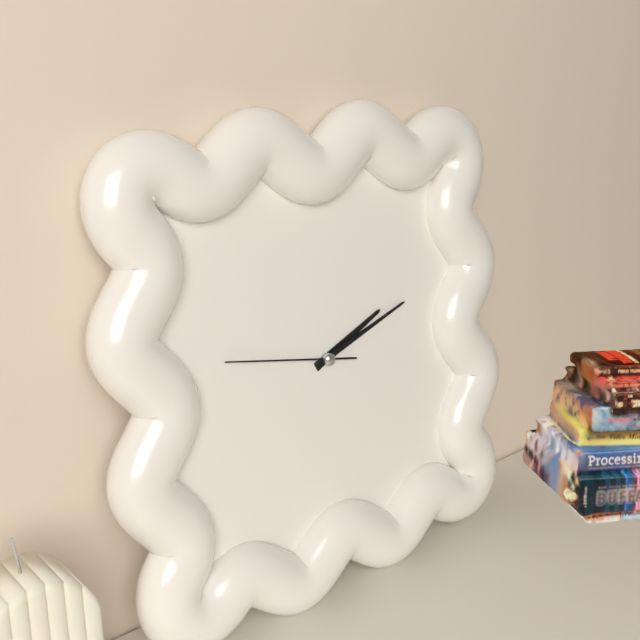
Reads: 2.12.47
